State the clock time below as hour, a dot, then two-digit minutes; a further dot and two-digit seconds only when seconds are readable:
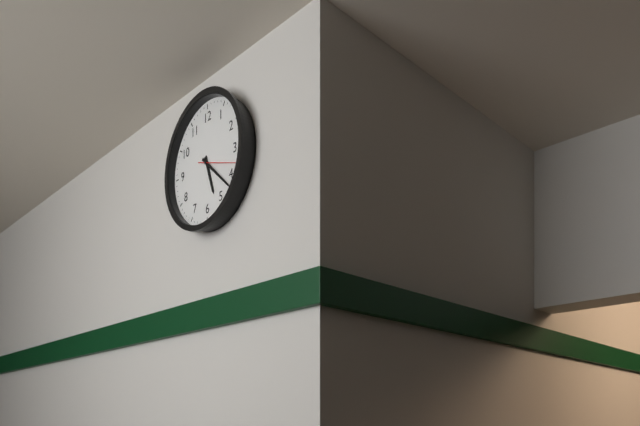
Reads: 5.22
